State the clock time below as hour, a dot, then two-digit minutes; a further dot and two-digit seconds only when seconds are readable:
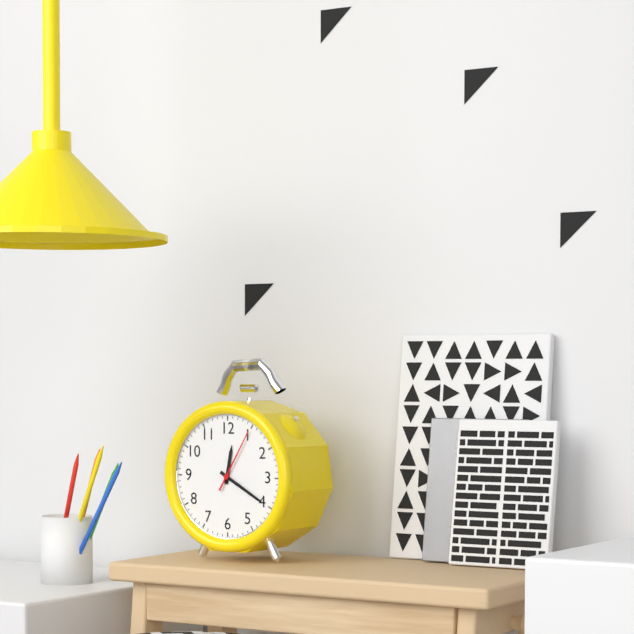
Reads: 12.20.05
